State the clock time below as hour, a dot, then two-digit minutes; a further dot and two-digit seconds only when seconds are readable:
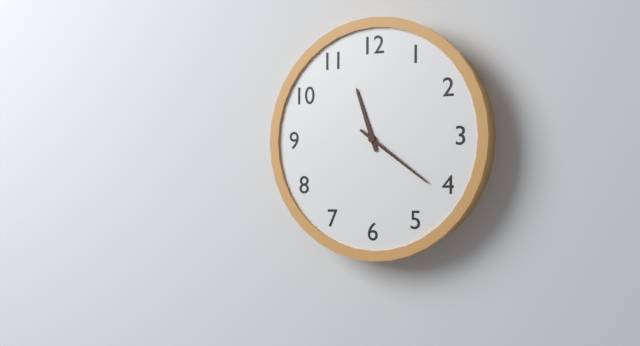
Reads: 11.21
